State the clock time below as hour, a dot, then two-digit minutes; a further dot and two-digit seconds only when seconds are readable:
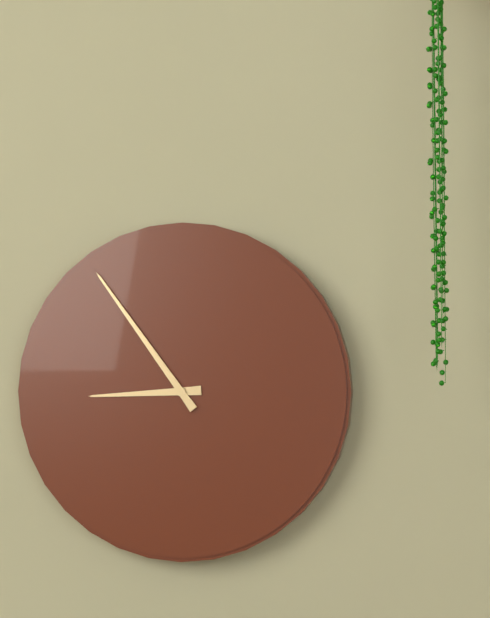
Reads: 8.54
